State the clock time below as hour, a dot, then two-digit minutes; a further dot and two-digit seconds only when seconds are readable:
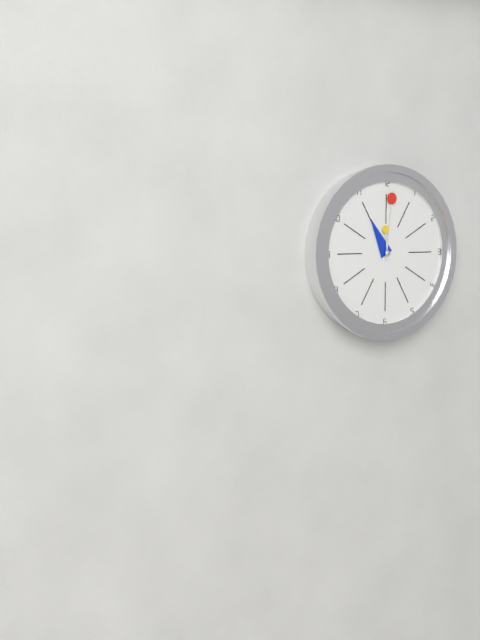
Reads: 11.01
